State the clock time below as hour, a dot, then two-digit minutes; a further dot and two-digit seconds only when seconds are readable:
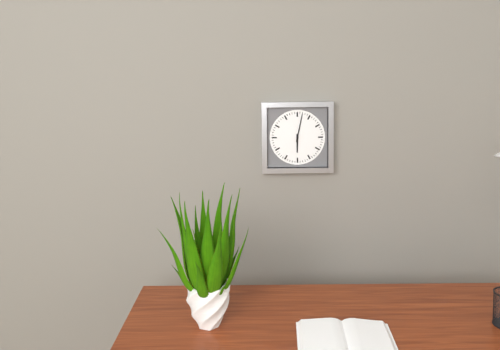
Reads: 6.02
